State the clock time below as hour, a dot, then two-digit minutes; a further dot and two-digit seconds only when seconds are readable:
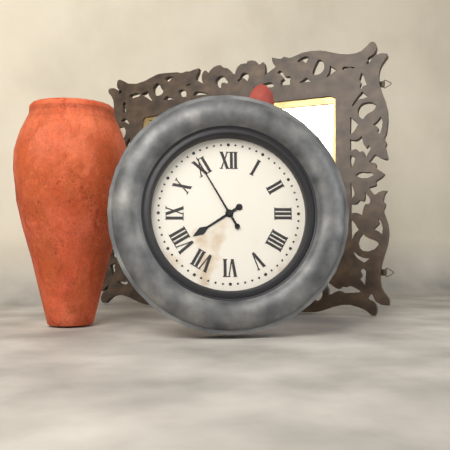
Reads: 7.55
